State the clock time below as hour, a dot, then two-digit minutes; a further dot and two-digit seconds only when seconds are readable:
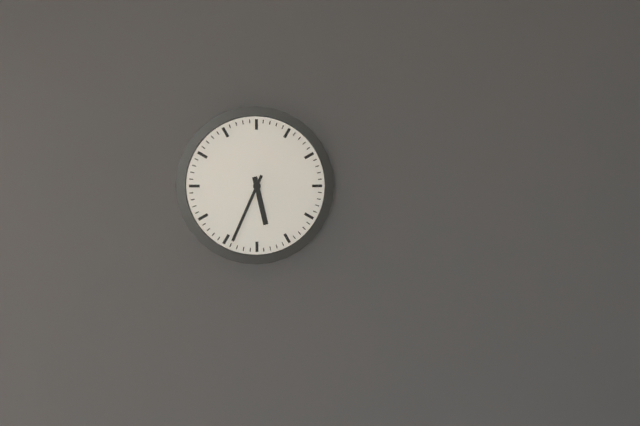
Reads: 5.34
